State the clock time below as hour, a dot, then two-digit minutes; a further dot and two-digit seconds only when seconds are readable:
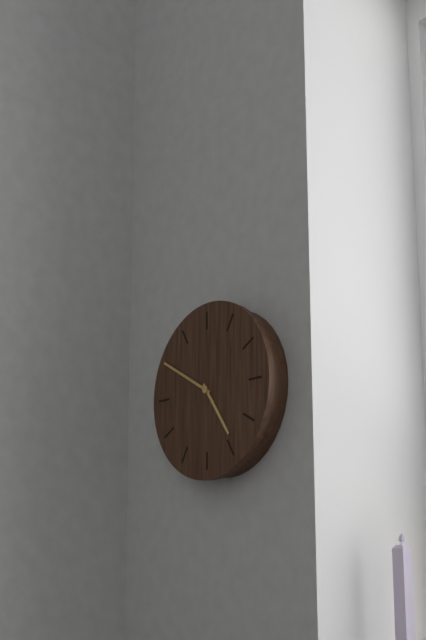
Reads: 4.50
